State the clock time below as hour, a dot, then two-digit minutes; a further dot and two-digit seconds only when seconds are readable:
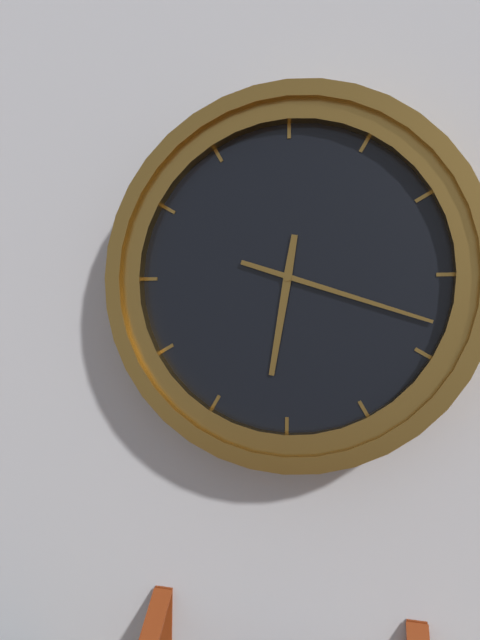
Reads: 6.18
